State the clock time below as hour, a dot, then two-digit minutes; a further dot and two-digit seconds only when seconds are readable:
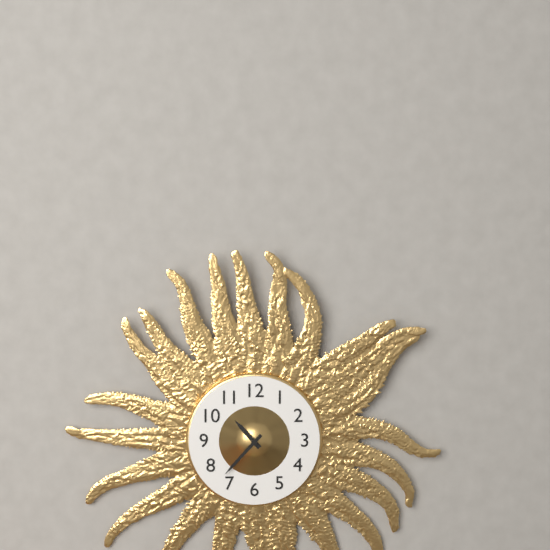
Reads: 10.37
